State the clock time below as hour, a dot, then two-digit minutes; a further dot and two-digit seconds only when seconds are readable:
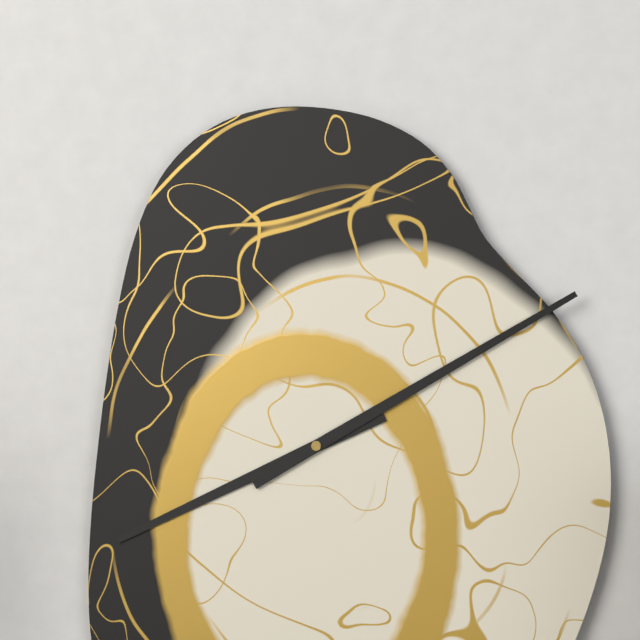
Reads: 8.10
